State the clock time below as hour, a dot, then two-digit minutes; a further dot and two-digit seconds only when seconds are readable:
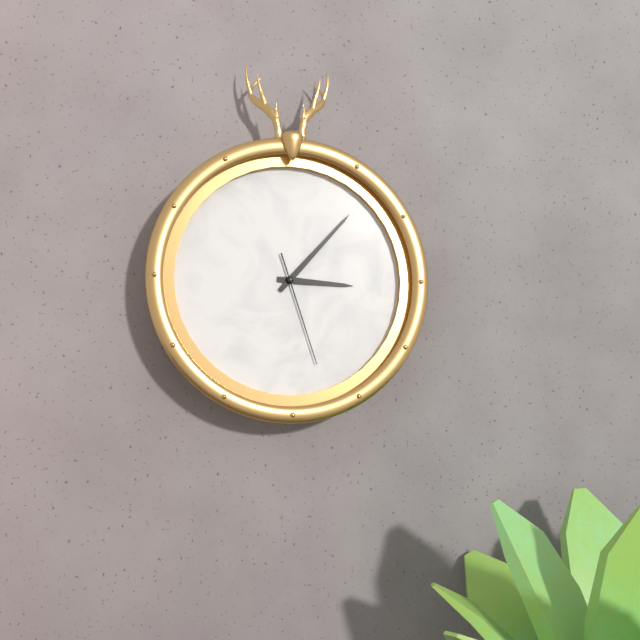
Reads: 3.07.27
